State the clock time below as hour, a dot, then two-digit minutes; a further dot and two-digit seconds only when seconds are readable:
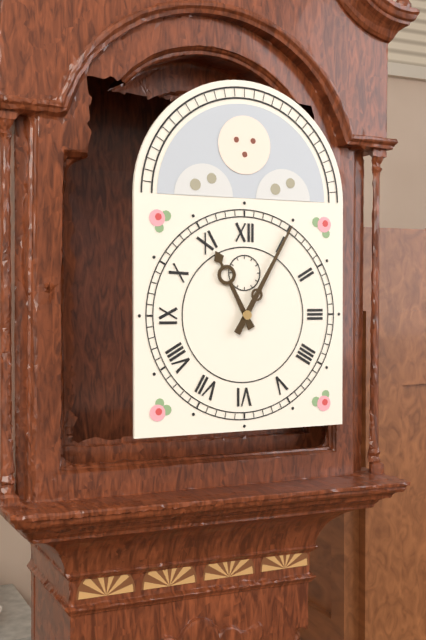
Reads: 11.05
